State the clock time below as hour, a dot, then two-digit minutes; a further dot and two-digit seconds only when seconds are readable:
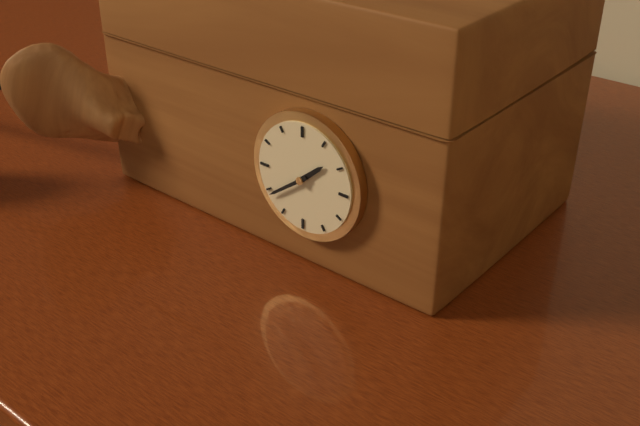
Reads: 1.39
